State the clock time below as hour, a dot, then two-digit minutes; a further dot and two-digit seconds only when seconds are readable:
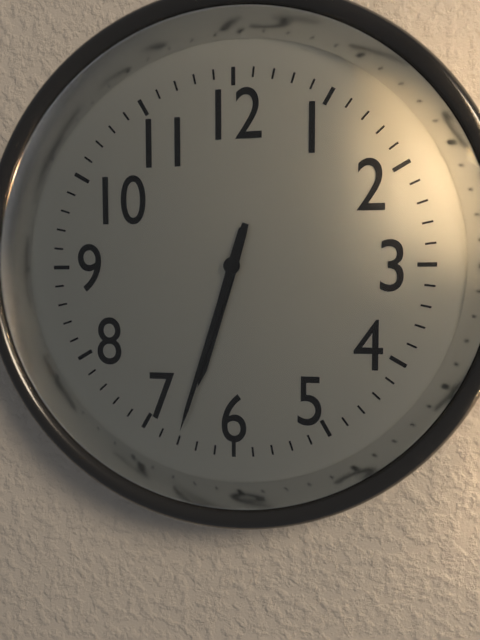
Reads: 6.33
